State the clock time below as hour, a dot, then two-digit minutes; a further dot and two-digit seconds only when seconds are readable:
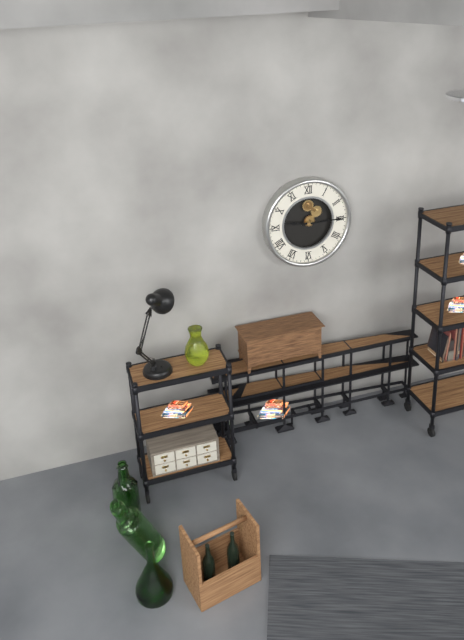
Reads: 9.15
